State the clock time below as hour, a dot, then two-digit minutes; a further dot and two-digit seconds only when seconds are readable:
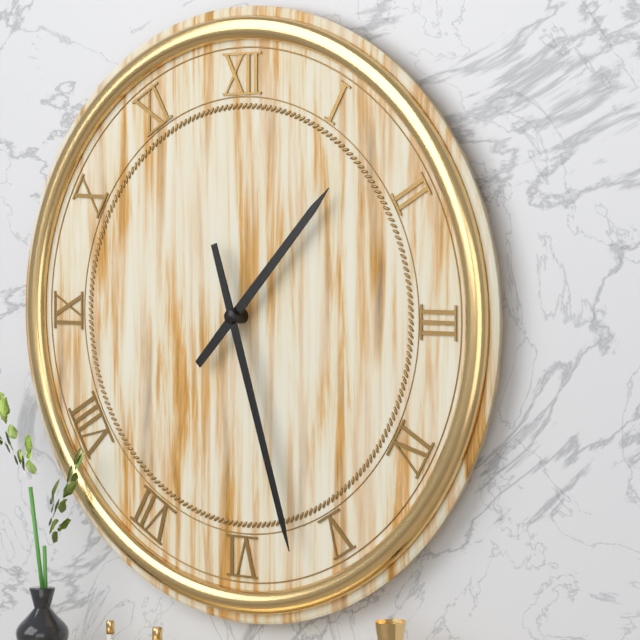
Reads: 1.27
